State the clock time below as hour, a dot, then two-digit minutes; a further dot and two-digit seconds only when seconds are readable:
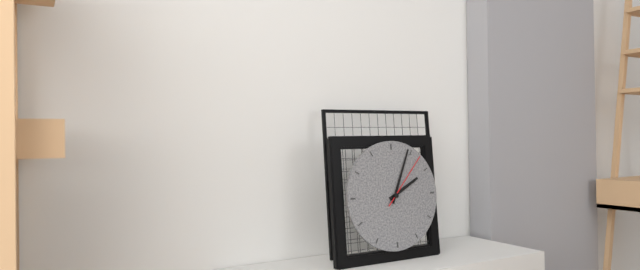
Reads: 2.04.07
